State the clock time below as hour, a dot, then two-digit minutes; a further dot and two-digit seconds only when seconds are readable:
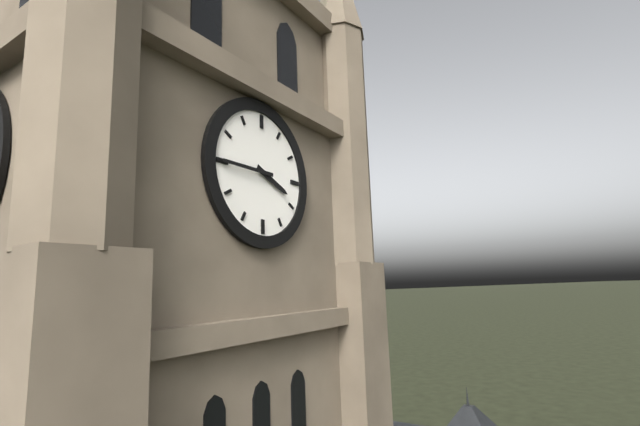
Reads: 3.45
